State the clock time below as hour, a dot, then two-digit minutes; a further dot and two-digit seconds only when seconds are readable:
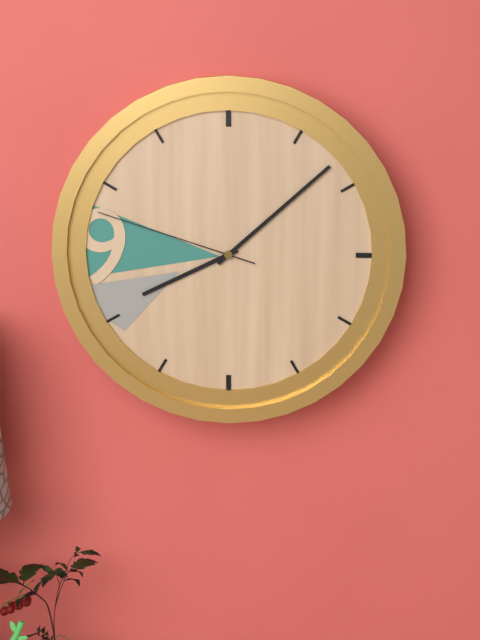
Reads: 8.08.48
